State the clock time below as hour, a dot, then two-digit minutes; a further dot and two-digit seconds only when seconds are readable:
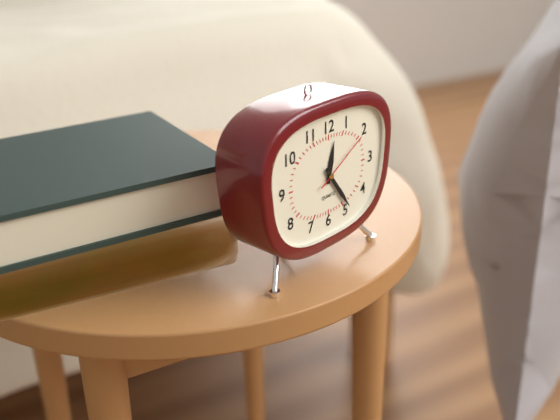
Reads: 12.24.10
